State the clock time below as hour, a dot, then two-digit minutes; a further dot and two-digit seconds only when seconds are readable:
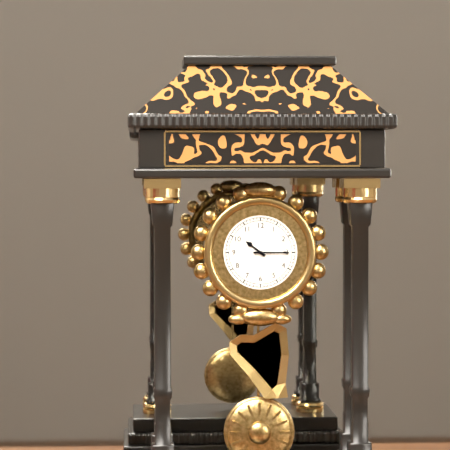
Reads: 10.15
